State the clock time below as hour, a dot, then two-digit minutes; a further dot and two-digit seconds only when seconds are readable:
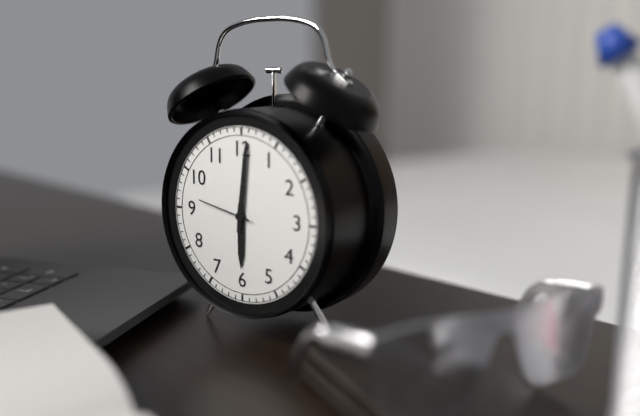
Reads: 6.01.47
